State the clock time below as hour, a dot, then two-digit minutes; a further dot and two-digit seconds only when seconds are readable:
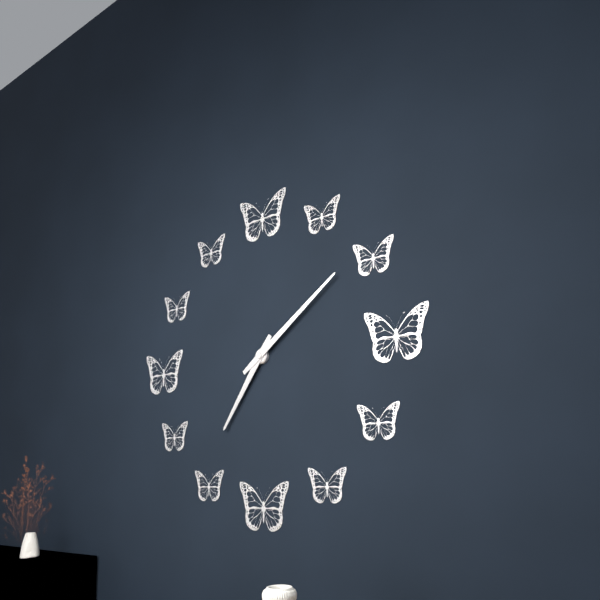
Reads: 7.09
